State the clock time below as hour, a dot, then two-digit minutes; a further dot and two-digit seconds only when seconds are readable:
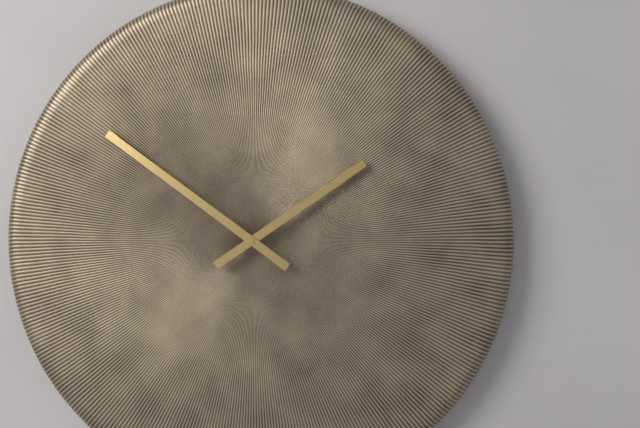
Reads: 1.51
